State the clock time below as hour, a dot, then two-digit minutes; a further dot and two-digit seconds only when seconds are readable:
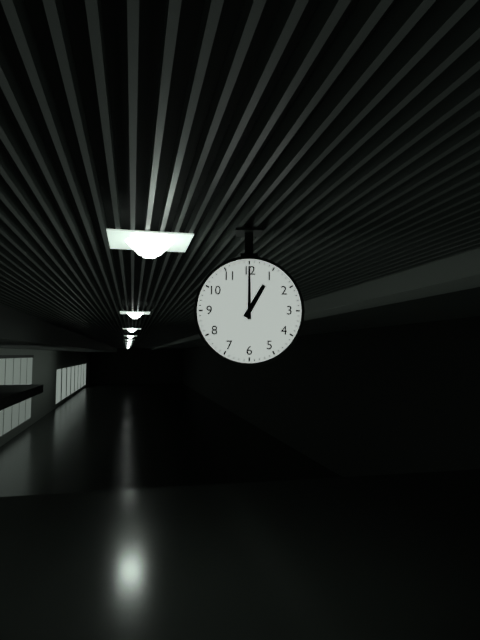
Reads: 1.00
